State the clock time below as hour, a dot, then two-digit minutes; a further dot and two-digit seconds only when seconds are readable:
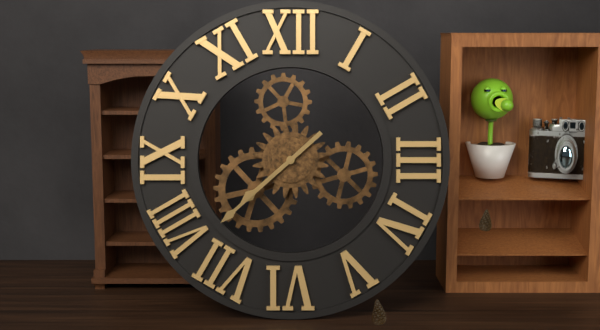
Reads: 7.38
